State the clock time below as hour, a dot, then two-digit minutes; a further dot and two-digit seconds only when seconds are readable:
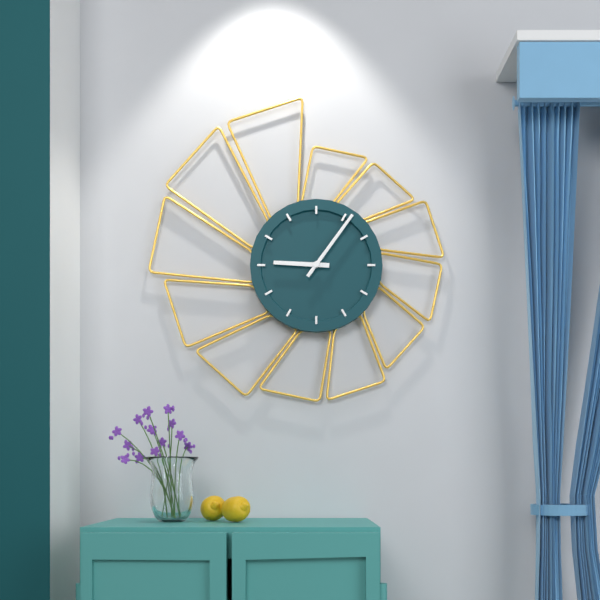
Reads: 9.06
